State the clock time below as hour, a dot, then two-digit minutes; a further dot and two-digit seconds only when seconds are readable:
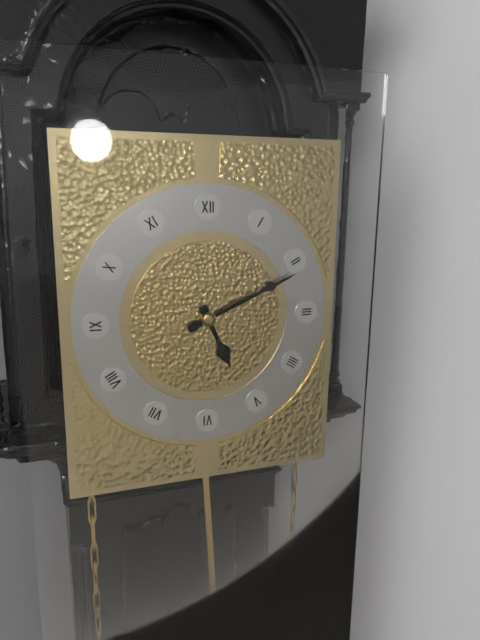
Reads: 5.11
